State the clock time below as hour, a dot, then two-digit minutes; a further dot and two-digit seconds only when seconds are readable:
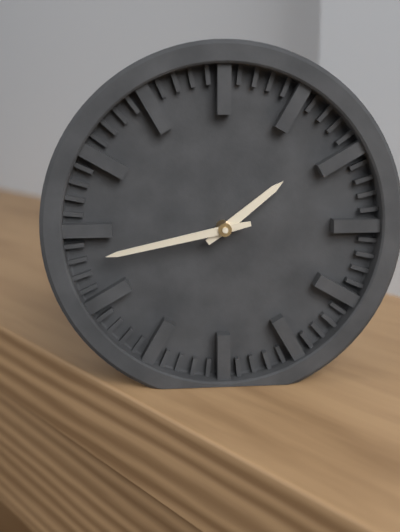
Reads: 1.43
